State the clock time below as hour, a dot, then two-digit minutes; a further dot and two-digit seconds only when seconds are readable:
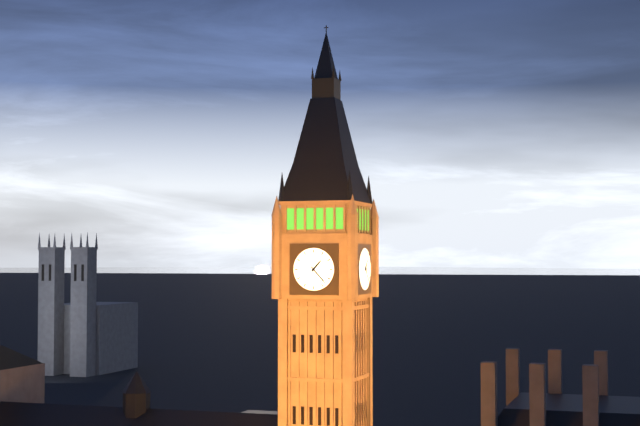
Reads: 1.23
